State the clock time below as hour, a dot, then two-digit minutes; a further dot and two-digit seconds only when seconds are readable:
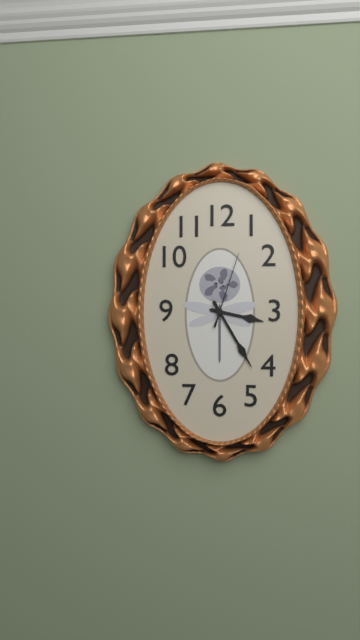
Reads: 3.25.03
